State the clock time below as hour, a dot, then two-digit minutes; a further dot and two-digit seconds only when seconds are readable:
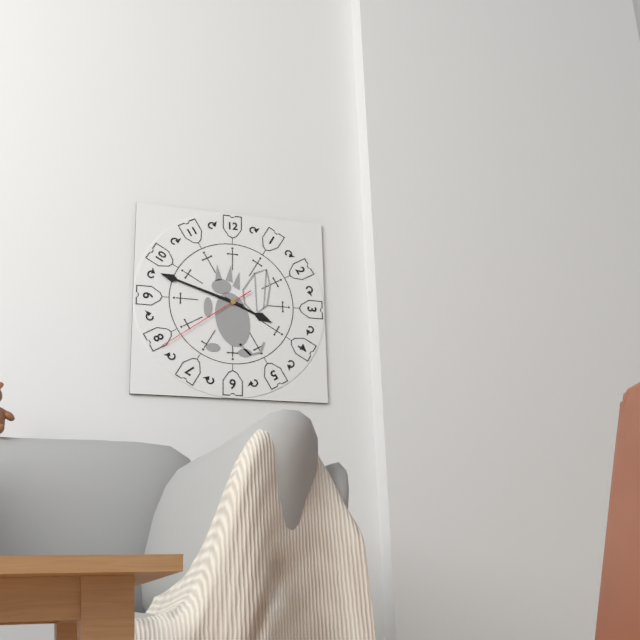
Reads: 3.48.39
